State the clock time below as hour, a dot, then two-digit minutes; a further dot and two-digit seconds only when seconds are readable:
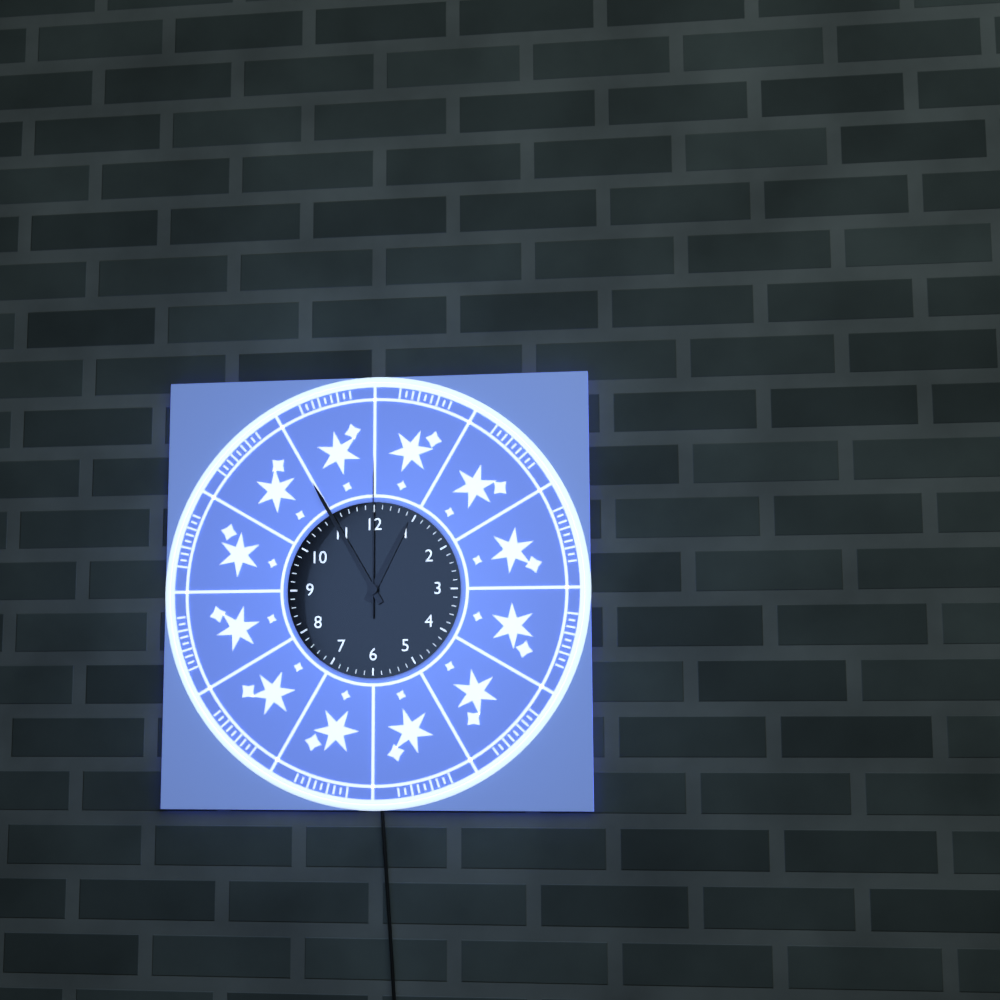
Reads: 12.55.00
